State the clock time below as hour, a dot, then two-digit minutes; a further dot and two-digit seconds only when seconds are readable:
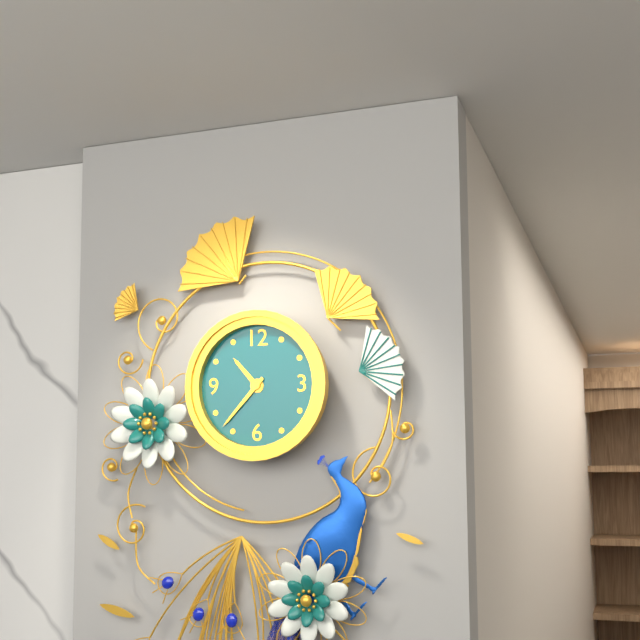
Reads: 10.37
